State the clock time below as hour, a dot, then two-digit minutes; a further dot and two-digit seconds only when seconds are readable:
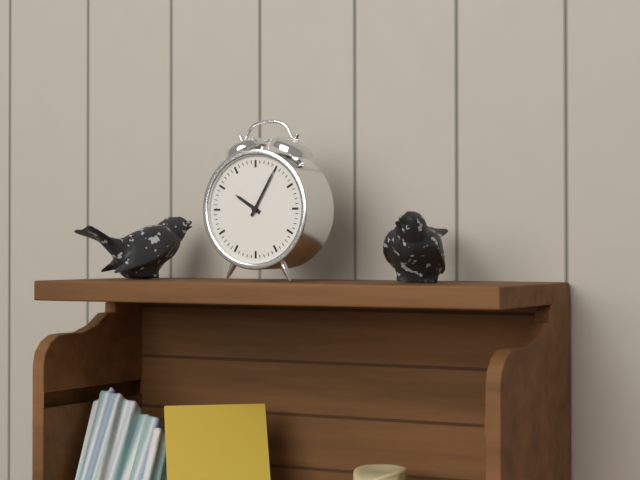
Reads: 10.05
